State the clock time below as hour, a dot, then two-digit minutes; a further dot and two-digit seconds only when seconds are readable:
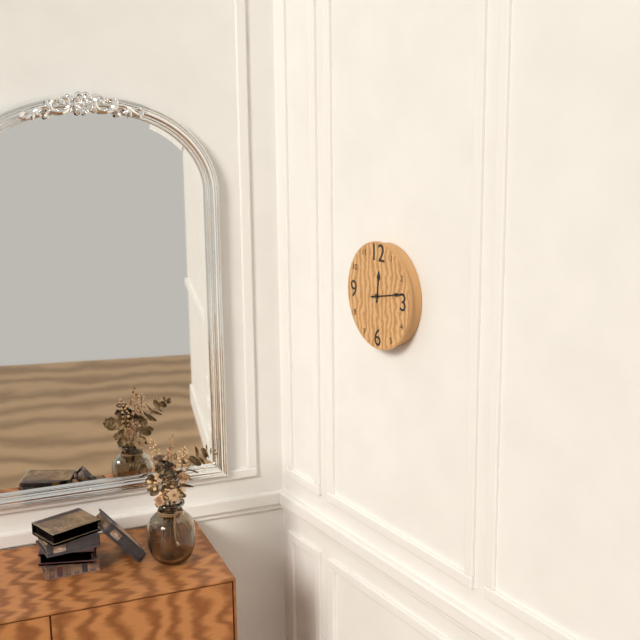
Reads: 12.13
